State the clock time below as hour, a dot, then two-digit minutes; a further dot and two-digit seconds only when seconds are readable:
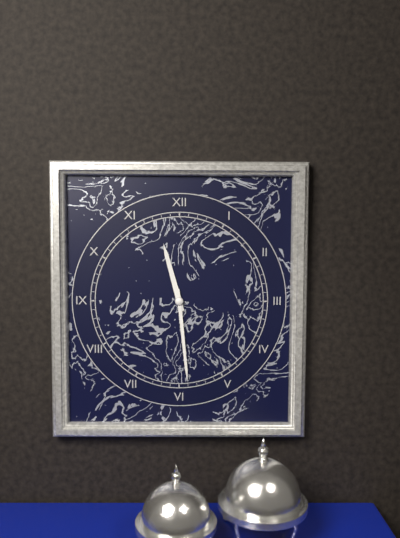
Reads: 11.29
